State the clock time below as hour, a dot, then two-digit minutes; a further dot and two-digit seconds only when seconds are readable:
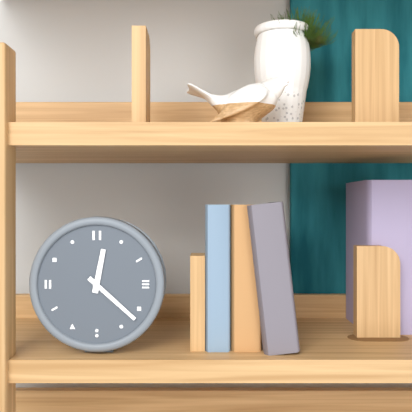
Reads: 12.22
